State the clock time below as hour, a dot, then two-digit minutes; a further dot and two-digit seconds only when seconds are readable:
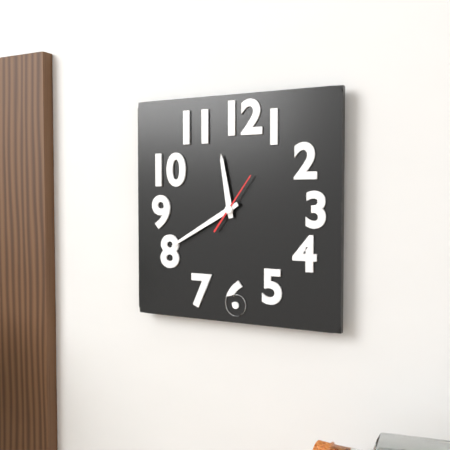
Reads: 11.40
